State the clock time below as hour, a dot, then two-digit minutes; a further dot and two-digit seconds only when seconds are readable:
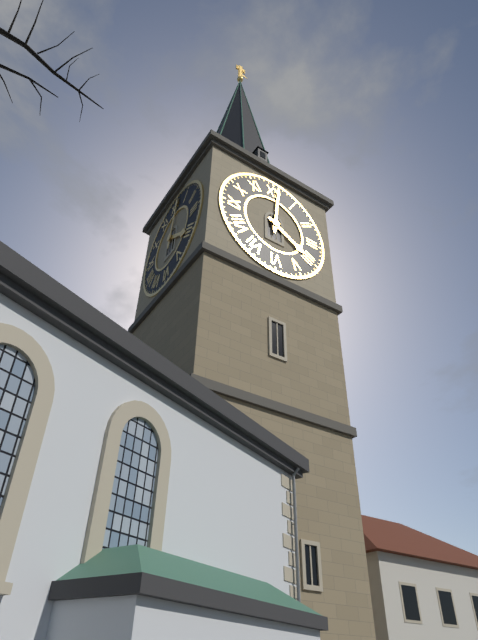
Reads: 4.01
